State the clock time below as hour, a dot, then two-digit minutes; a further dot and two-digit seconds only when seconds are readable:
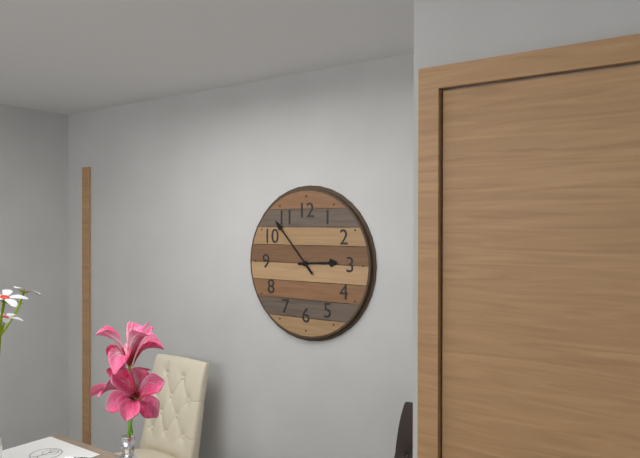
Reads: 2.53
